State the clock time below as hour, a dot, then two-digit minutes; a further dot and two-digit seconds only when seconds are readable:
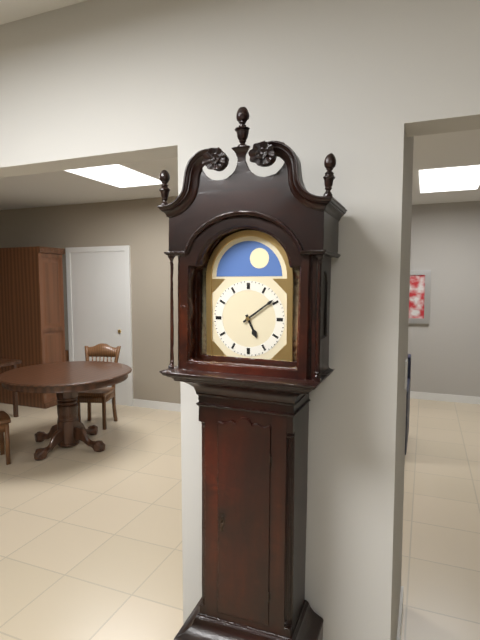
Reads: 5.09
